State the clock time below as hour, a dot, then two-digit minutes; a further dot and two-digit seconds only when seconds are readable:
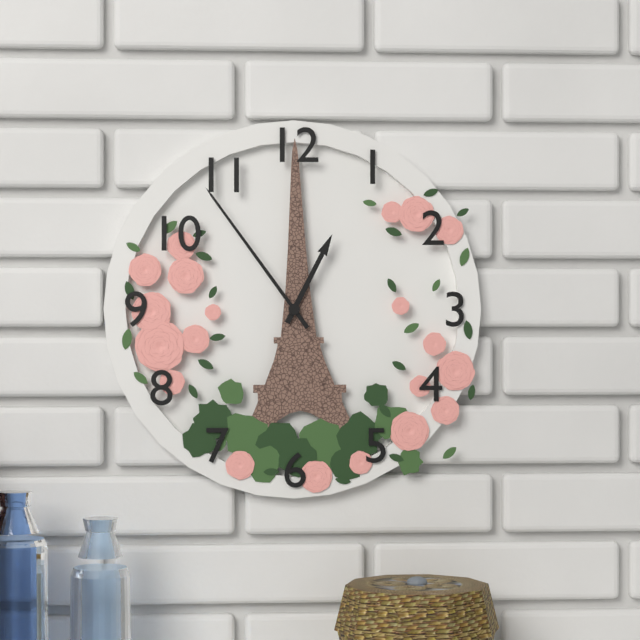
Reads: 12.54
